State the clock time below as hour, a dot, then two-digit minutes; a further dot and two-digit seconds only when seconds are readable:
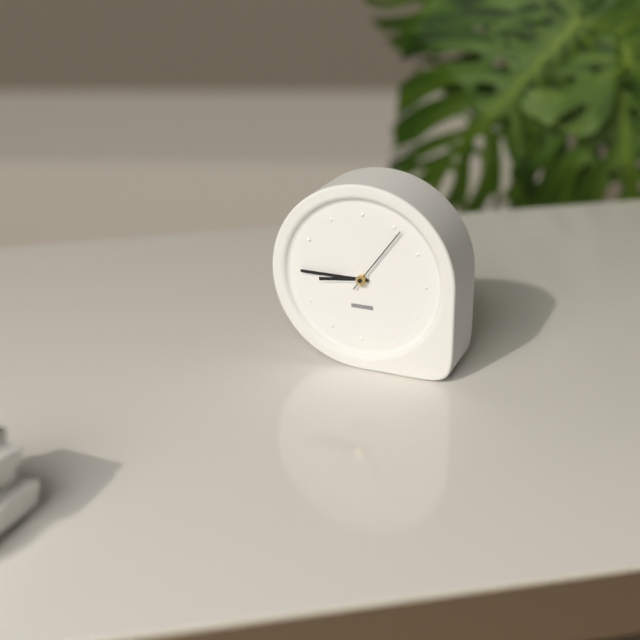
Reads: 8.45.06
